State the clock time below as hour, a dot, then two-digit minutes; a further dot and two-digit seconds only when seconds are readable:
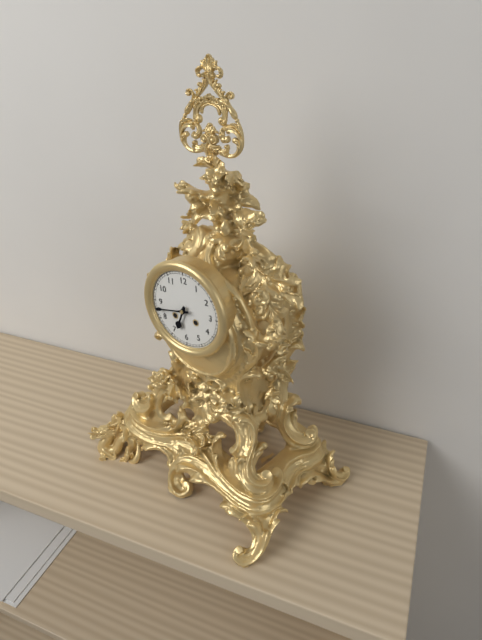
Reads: 6.43
